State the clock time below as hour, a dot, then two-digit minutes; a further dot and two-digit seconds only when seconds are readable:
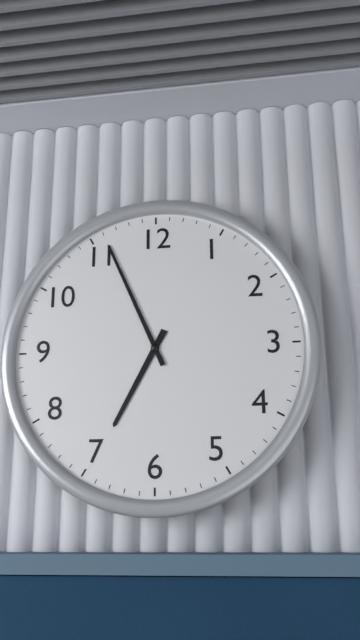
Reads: 6.56
